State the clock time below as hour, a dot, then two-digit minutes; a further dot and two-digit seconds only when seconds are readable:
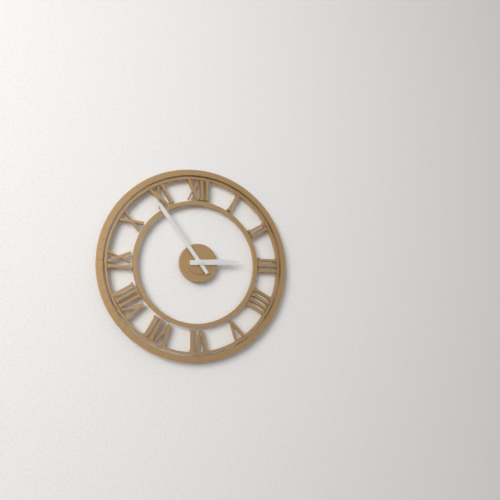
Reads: 2.54
